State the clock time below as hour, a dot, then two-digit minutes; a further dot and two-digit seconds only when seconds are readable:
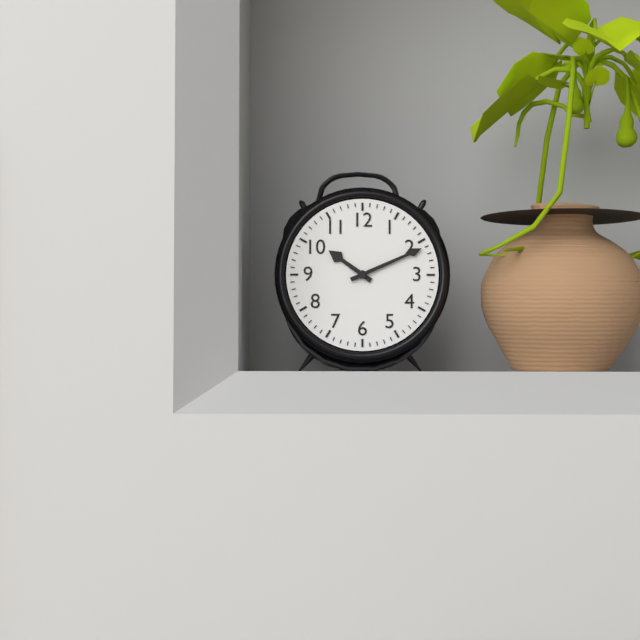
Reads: 10.11
